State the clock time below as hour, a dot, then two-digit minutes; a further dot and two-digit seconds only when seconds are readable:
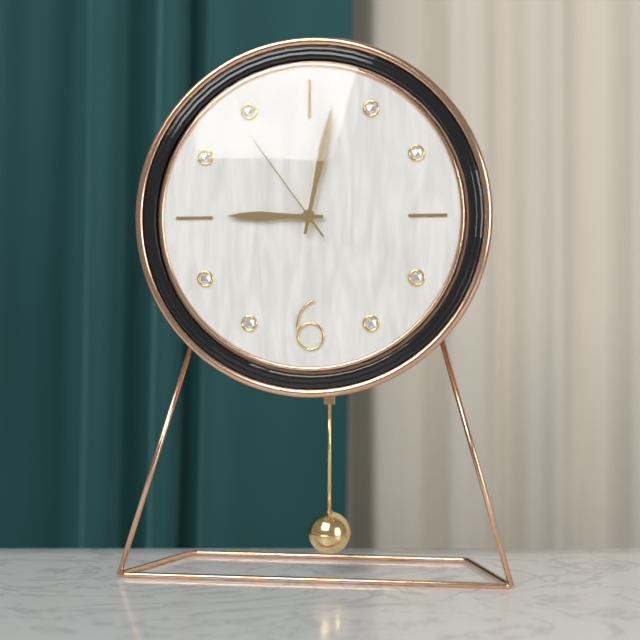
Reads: 9.02.54
